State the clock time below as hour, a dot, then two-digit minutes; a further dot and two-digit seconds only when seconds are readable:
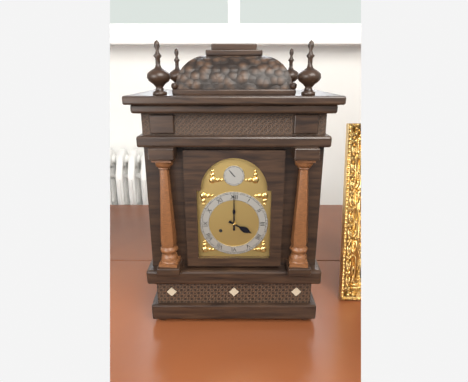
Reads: 4.00
